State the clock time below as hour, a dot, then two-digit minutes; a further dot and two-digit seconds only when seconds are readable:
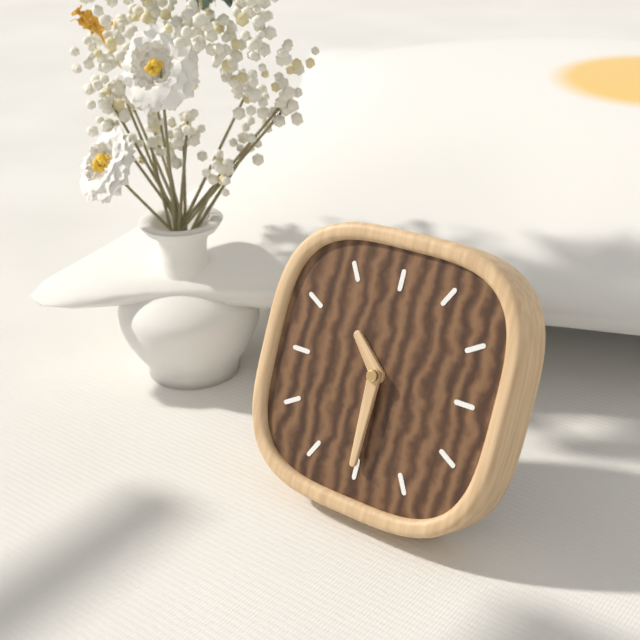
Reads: 10.30
